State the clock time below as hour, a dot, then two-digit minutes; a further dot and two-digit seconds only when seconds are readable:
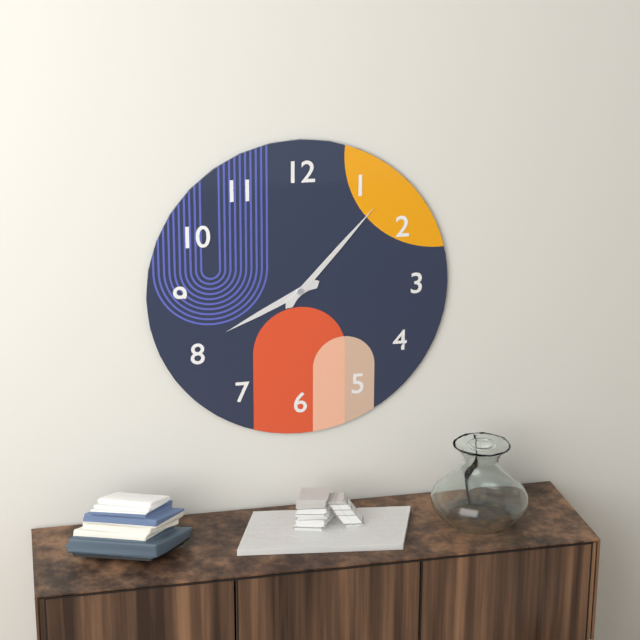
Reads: 8.07
